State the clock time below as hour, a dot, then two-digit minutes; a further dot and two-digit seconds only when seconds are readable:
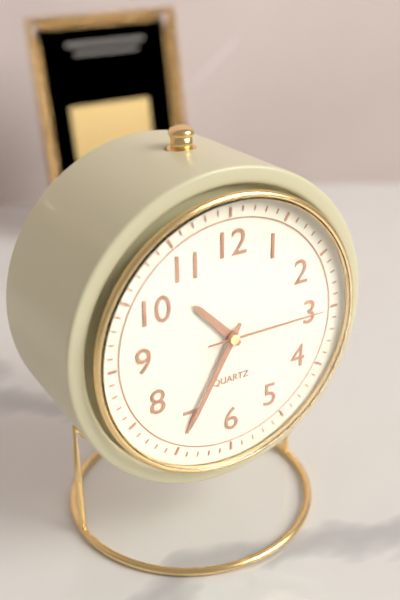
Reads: 10.35.15
